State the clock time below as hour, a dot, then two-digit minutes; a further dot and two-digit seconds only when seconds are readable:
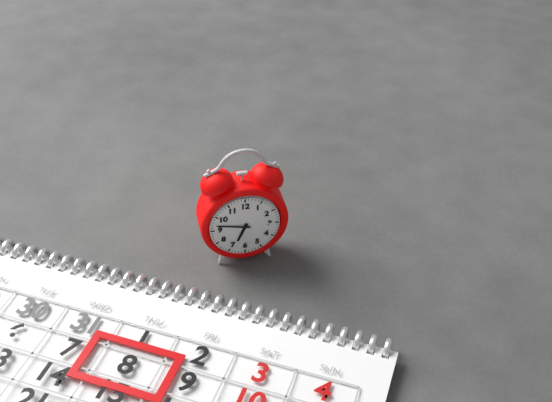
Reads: 6.47
